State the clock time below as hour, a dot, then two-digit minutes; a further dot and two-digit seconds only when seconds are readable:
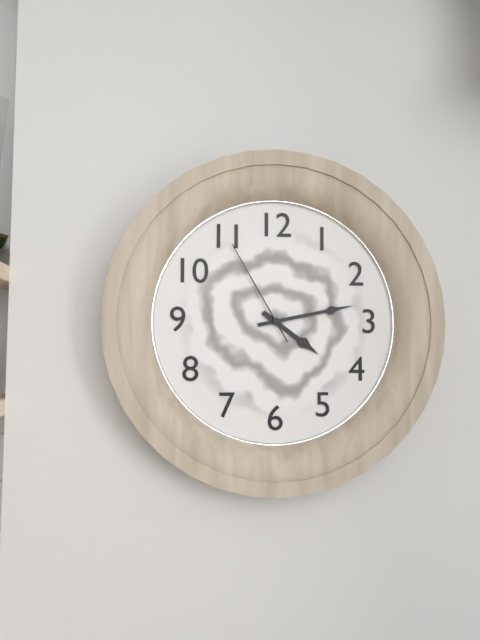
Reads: 4.13.55
